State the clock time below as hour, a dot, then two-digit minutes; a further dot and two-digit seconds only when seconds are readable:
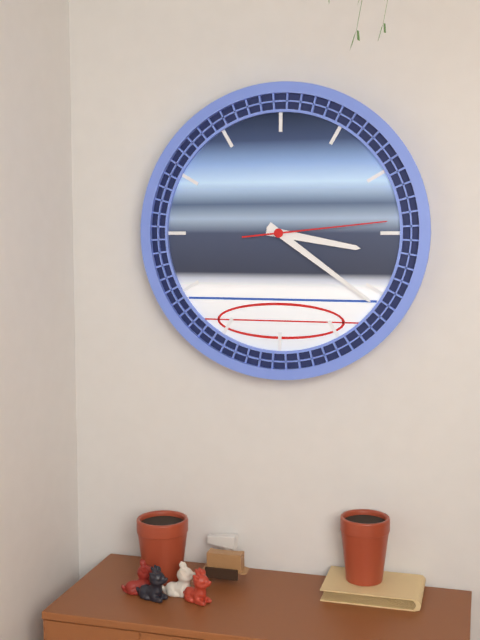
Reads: 3.21.14
